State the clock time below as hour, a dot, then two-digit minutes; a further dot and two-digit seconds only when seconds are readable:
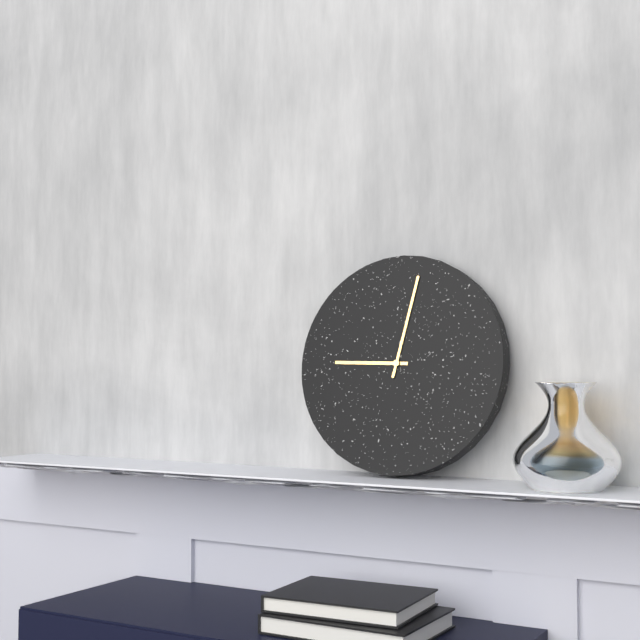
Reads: 9.02
